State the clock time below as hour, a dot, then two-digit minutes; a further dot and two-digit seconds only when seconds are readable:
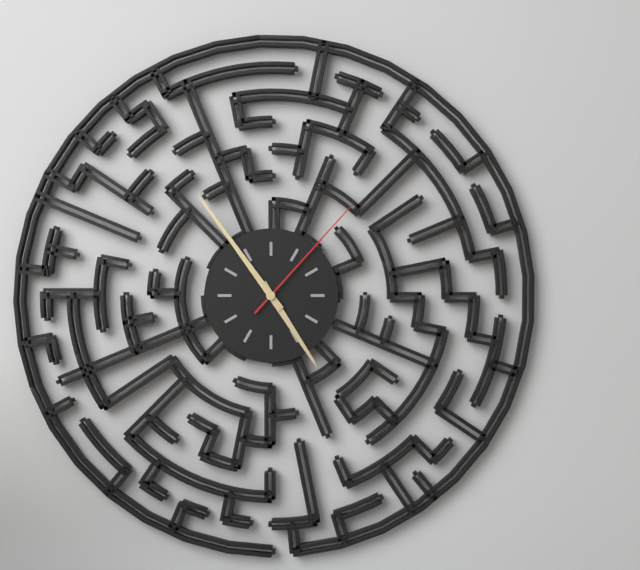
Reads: 4.54.07
